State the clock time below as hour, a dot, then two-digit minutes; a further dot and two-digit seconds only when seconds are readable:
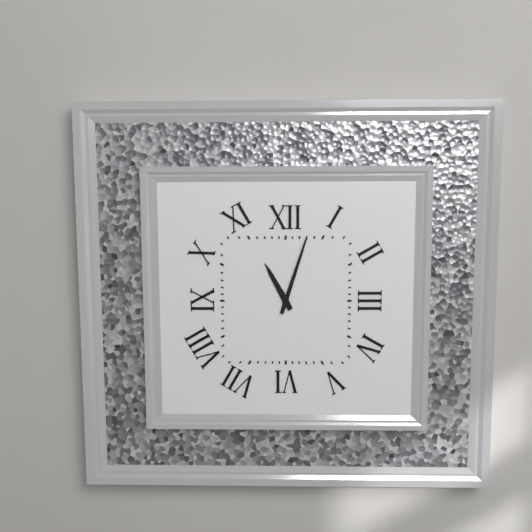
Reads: 11.03
